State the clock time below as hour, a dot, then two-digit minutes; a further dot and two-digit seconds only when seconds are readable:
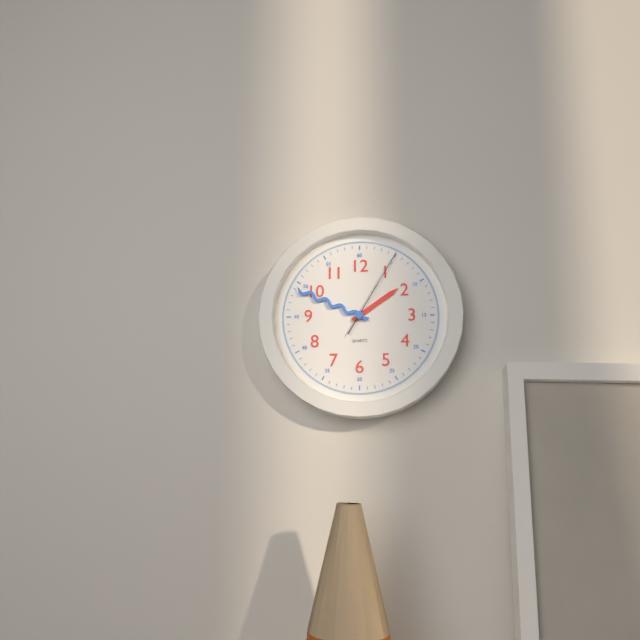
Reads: 1.49.05
